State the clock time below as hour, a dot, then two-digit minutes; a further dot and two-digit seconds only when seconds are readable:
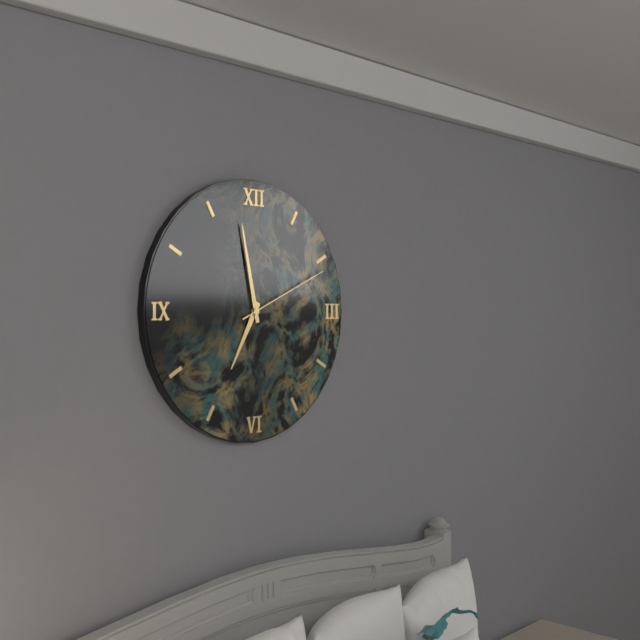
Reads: 6.58.11
